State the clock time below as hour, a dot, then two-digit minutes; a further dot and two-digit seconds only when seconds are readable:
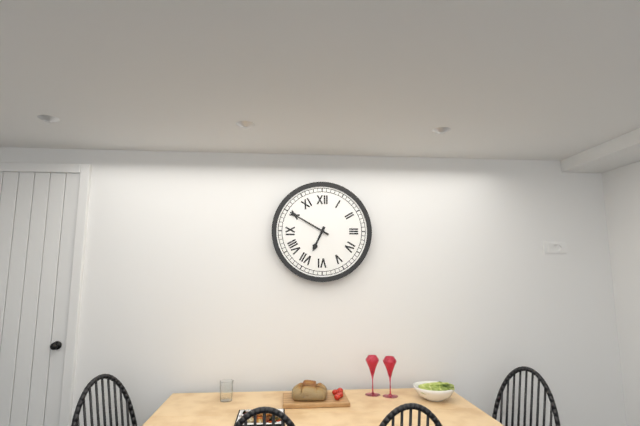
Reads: 6.50
